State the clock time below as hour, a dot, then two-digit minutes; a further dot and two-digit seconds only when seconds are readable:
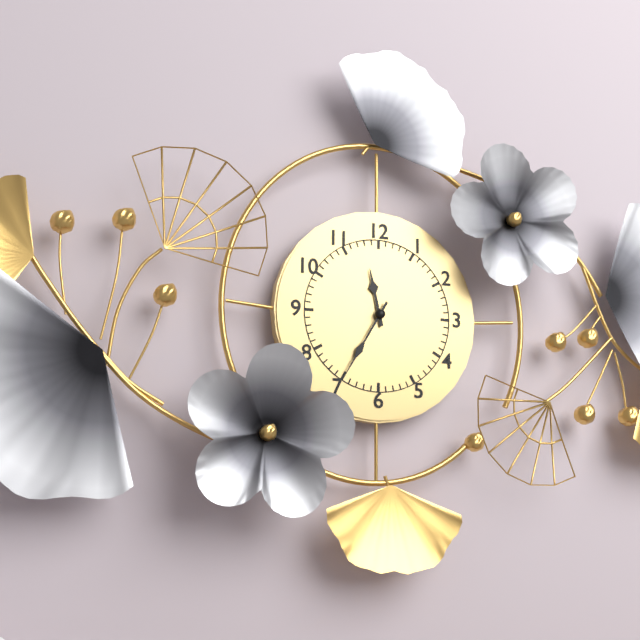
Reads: 11.35
